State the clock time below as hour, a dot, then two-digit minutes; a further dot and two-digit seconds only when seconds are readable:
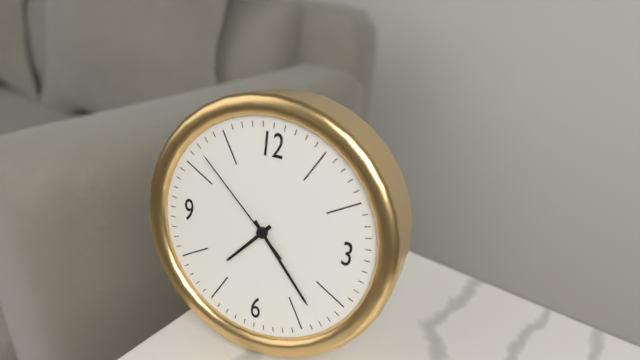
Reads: 7.23.52
